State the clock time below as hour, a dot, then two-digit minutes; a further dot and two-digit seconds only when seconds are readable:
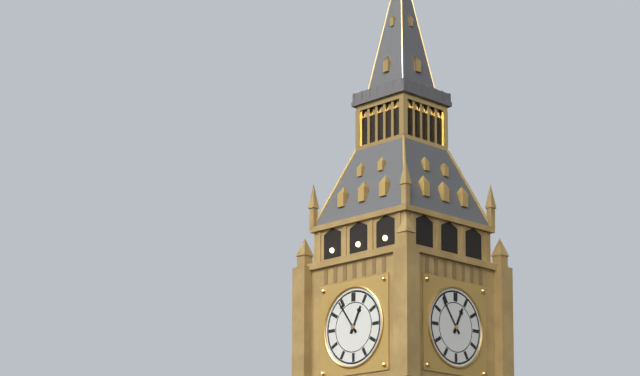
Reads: 12.54
